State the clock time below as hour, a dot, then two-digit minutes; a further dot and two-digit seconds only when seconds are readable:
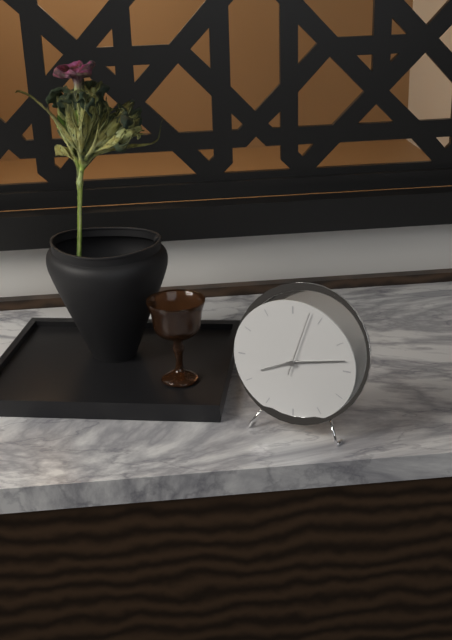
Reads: 8.13.03
